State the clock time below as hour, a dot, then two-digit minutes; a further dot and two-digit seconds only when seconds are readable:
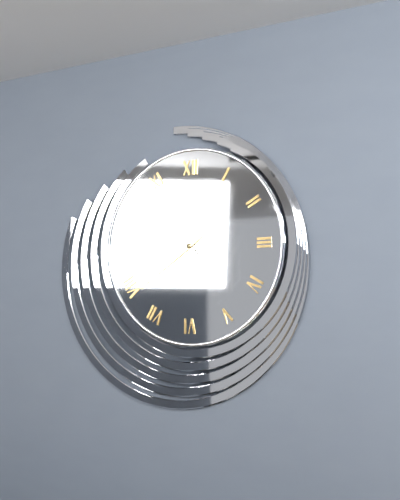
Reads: 10.39
